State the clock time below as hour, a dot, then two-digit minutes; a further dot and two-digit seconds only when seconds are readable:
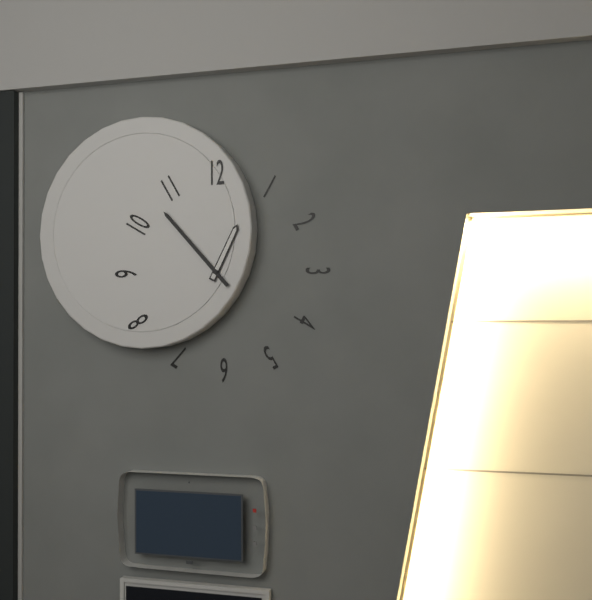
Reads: 12.53
